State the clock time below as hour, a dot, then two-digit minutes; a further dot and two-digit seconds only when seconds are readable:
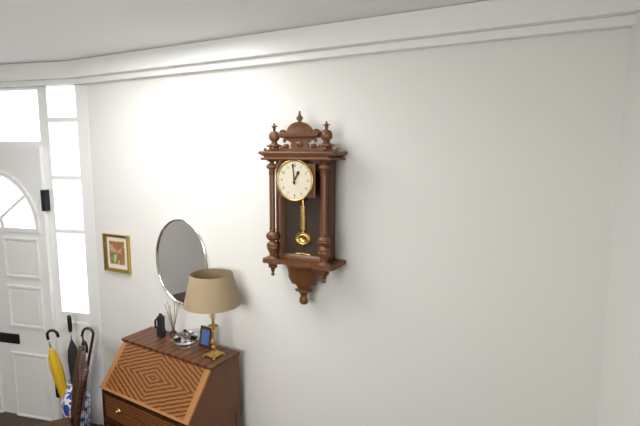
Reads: 12.59
